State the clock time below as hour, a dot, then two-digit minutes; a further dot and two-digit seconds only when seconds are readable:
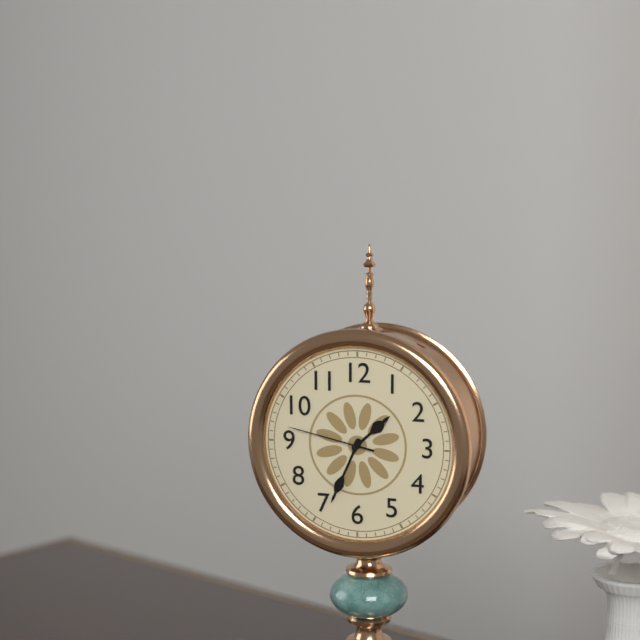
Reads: 1.34.47
